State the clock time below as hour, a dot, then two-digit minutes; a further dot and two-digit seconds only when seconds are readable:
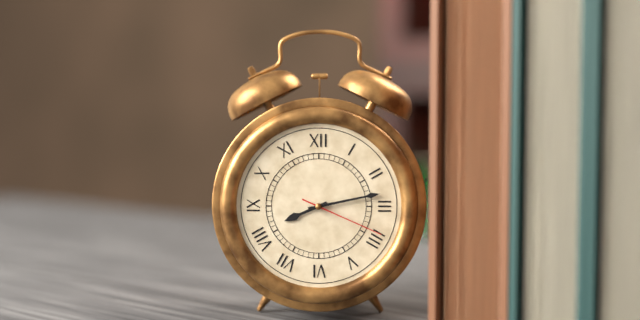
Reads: 8.13.19
